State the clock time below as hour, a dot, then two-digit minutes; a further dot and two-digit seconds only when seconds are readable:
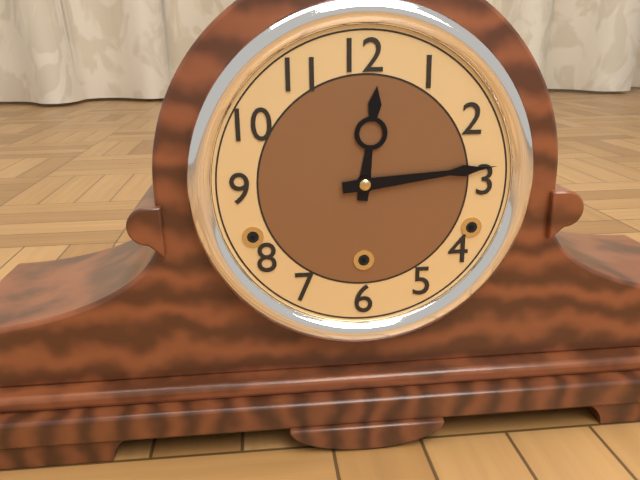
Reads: 12.14
